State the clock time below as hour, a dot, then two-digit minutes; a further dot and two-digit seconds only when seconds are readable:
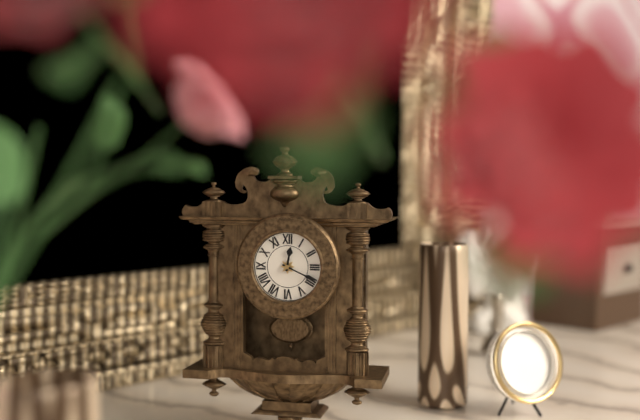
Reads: 12.19
